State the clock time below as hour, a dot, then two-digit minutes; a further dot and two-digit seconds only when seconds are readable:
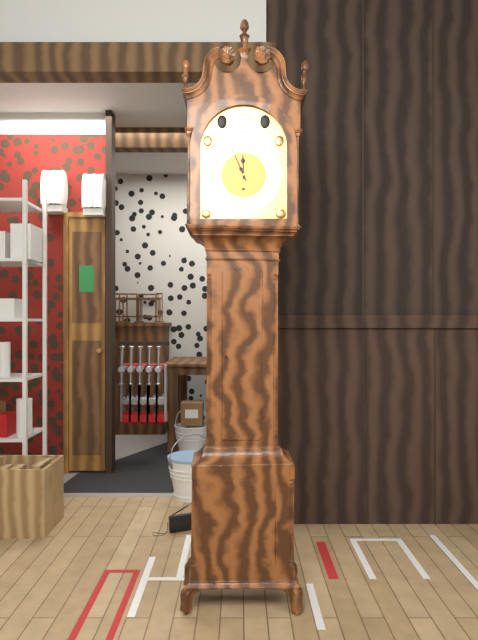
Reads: 11.56
